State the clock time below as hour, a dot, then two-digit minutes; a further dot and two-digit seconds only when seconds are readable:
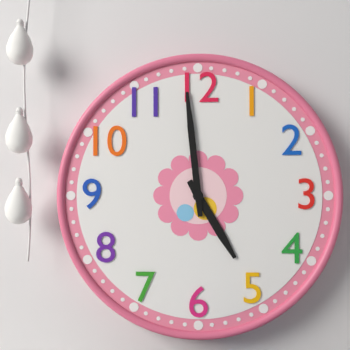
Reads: 4.59
